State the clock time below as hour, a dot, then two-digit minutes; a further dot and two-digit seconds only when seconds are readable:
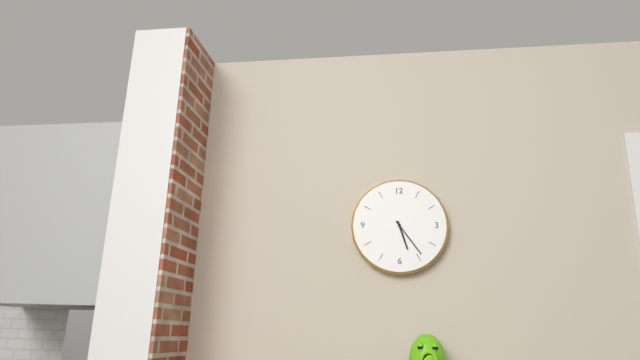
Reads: 5.24
